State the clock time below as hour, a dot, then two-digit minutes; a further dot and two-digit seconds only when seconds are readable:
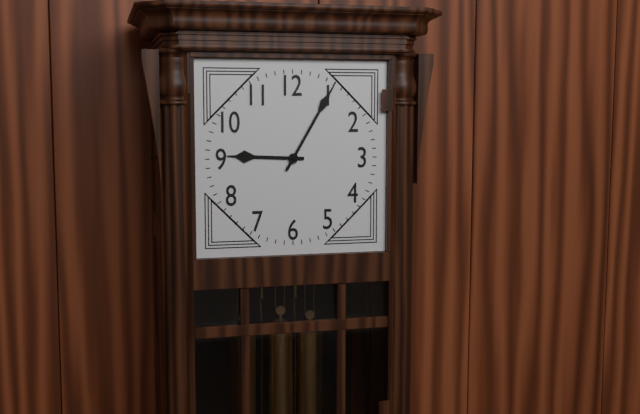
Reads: 9.05
